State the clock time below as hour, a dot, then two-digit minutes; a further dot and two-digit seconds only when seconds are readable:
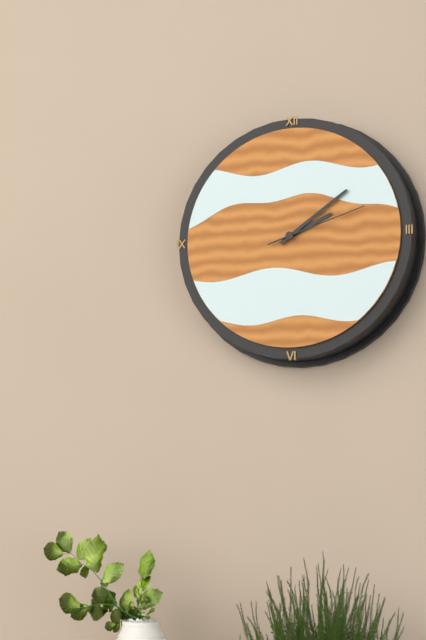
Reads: 2.09.12
